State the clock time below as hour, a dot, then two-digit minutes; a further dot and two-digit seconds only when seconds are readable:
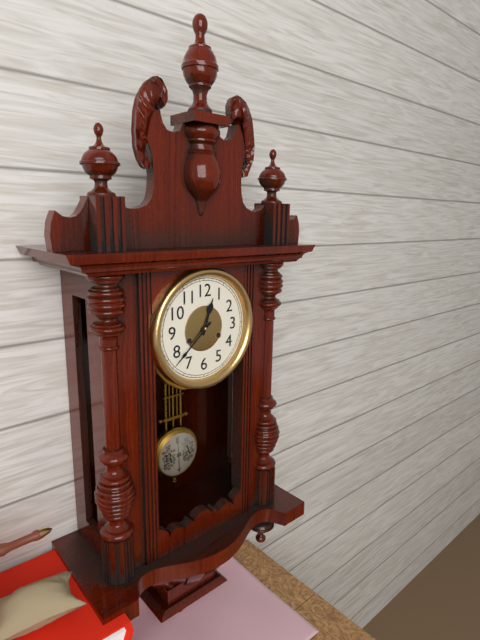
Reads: 12.38
